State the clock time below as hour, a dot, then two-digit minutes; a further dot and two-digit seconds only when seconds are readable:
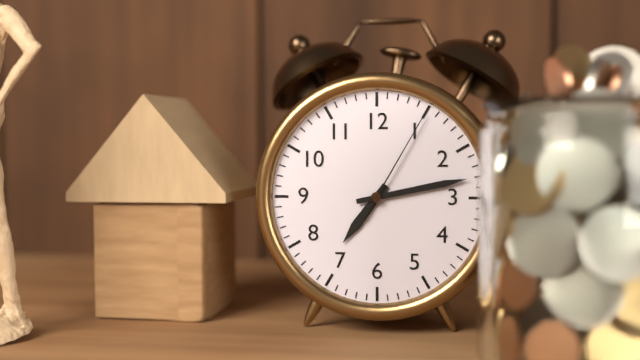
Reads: 7.13.05
